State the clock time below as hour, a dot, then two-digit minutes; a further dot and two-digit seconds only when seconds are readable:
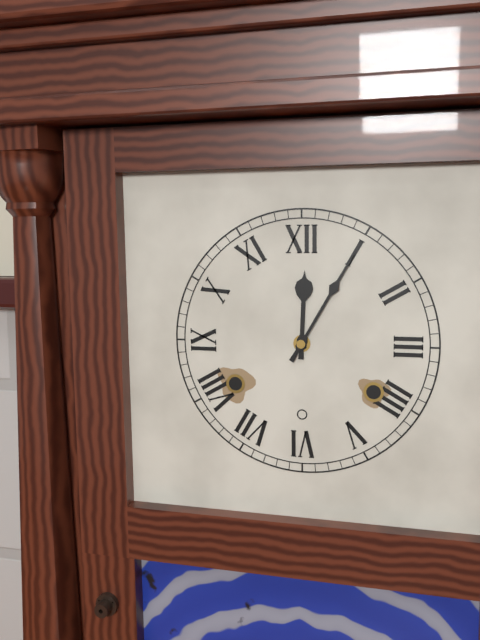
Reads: 12.05
